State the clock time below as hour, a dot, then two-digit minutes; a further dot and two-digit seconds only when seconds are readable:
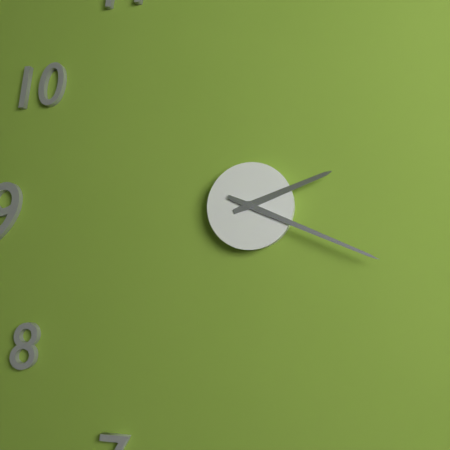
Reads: 2.19
